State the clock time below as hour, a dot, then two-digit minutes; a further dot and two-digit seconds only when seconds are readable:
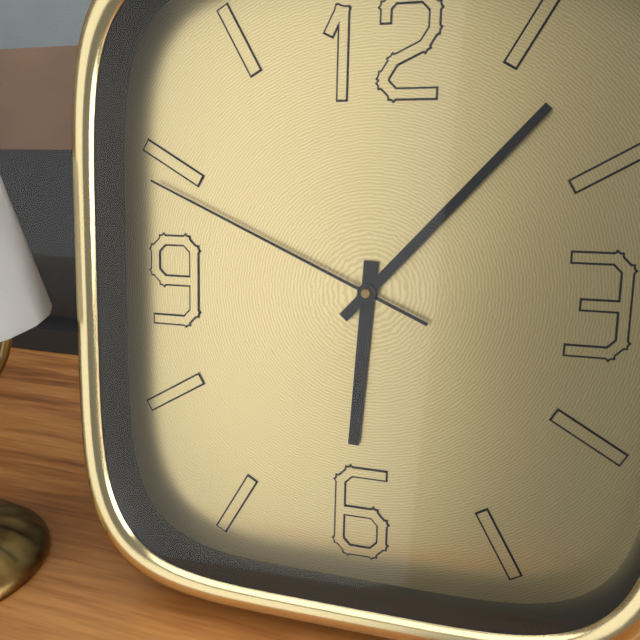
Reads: 6.07.49
